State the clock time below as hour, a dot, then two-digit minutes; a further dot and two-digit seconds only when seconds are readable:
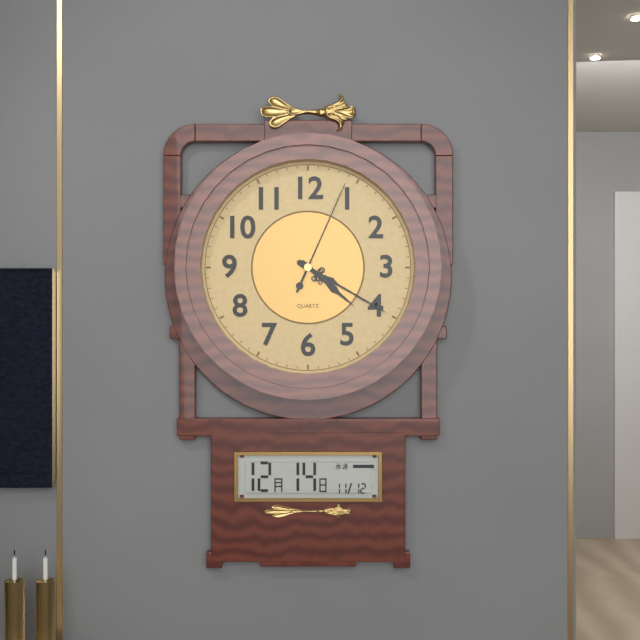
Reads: 4.20.04
